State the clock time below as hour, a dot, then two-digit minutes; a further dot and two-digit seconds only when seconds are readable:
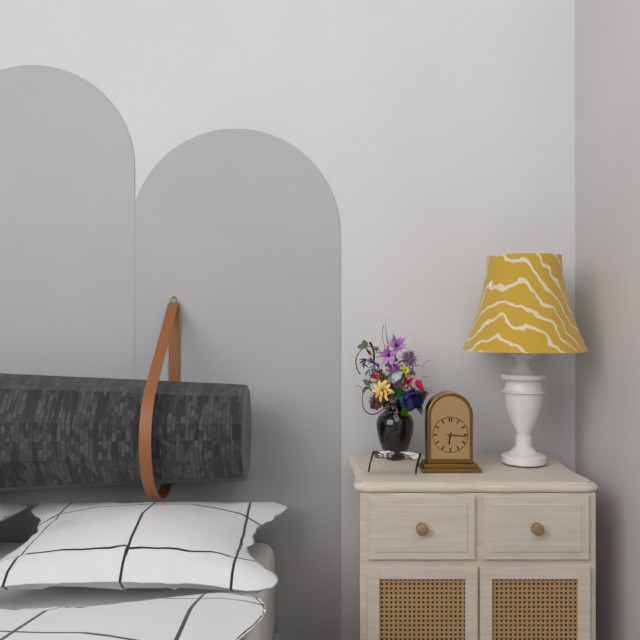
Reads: 6.16
